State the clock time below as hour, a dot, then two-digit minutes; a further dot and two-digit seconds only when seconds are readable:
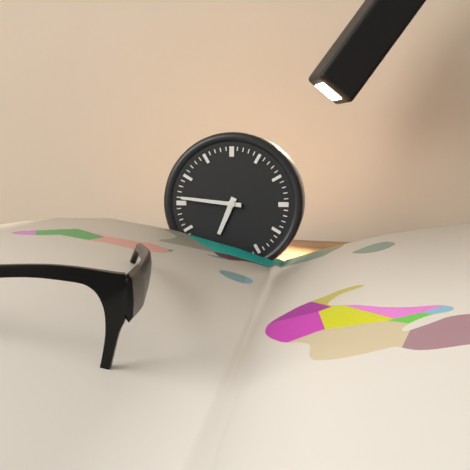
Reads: 6.46
